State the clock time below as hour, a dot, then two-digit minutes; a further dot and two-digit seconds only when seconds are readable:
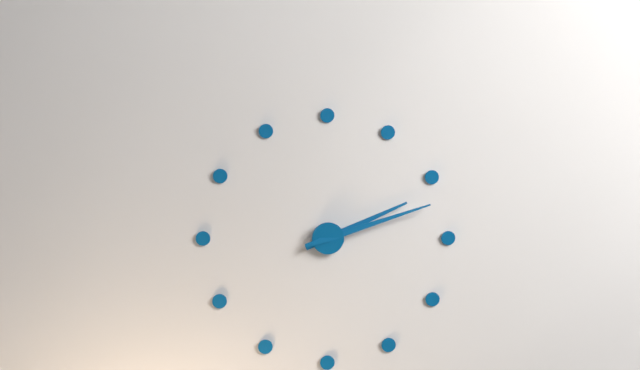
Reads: 2.12
